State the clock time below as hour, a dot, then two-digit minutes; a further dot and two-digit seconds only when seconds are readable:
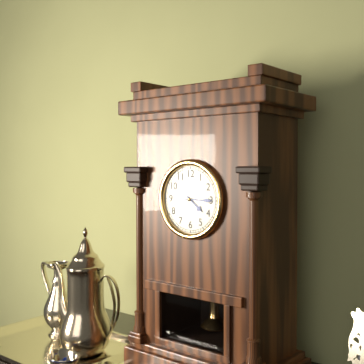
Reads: 4.15
